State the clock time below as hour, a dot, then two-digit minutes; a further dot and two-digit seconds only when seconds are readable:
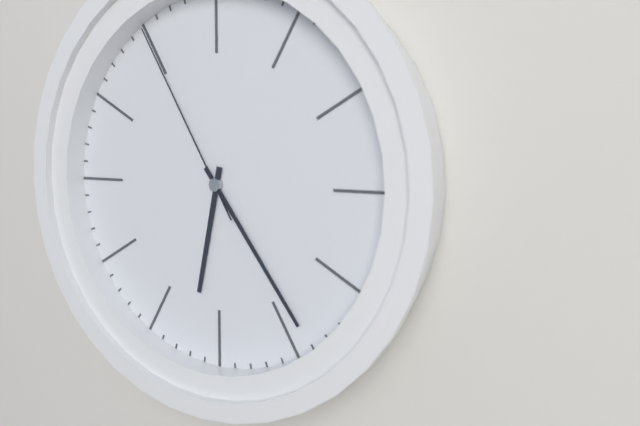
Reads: 6.24.55
